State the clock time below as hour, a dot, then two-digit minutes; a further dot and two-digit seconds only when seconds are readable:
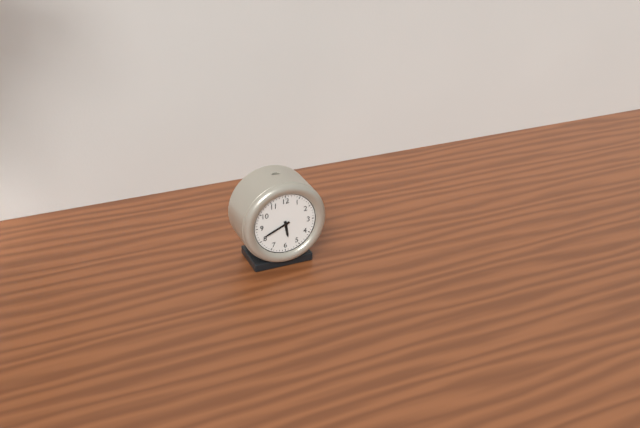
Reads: 5.41
